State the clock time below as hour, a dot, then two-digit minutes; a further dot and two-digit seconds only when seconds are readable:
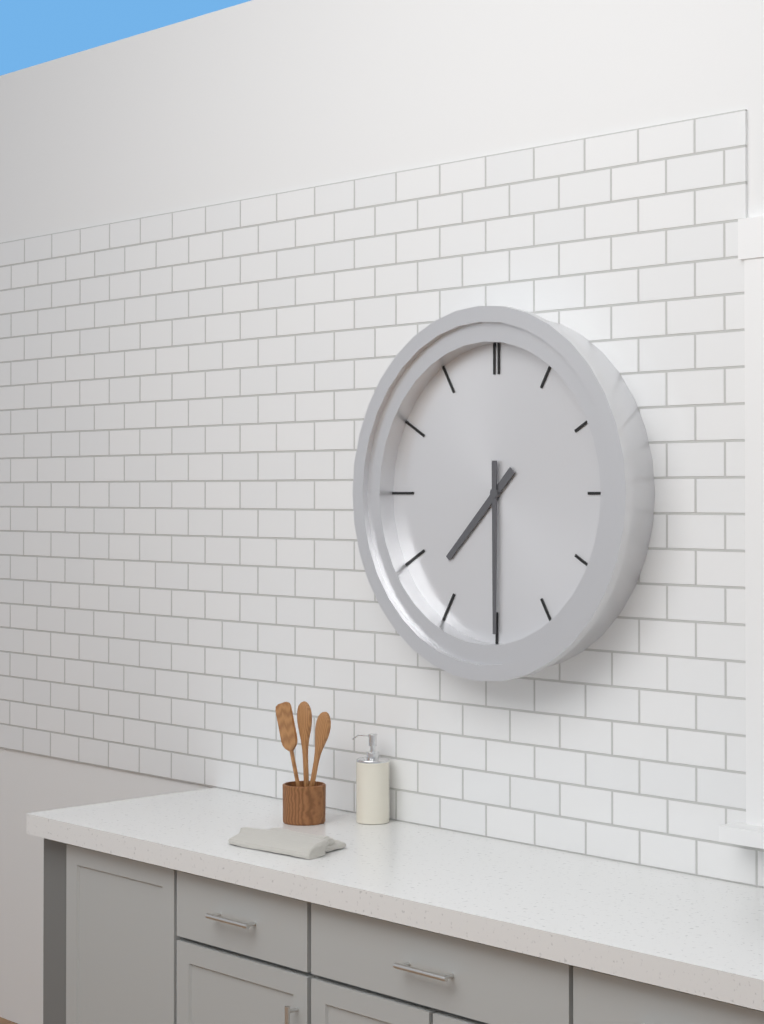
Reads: 7.30
